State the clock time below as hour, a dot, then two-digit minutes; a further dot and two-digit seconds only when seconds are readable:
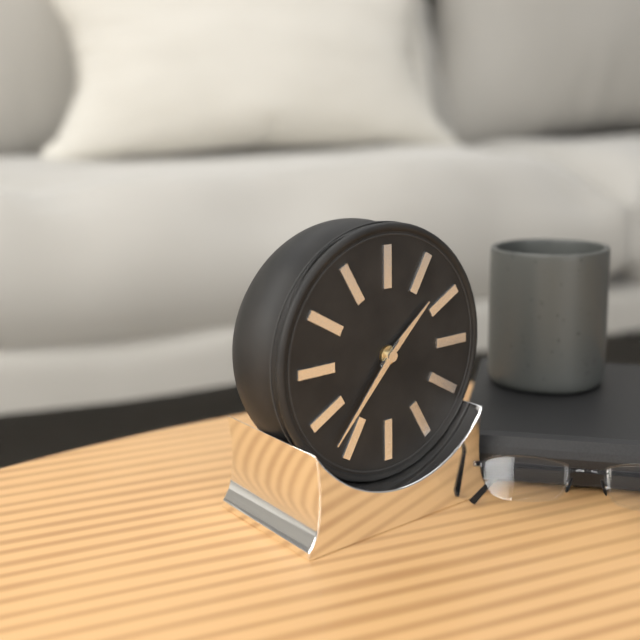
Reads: 1.37
